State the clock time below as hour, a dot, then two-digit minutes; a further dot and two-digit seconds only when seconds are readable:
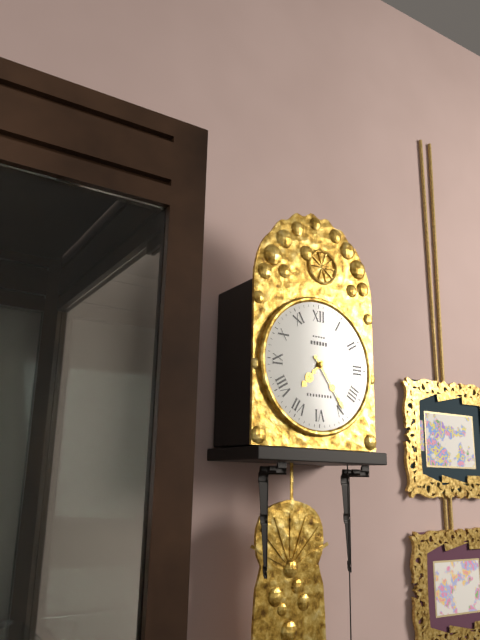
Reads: 7.24
